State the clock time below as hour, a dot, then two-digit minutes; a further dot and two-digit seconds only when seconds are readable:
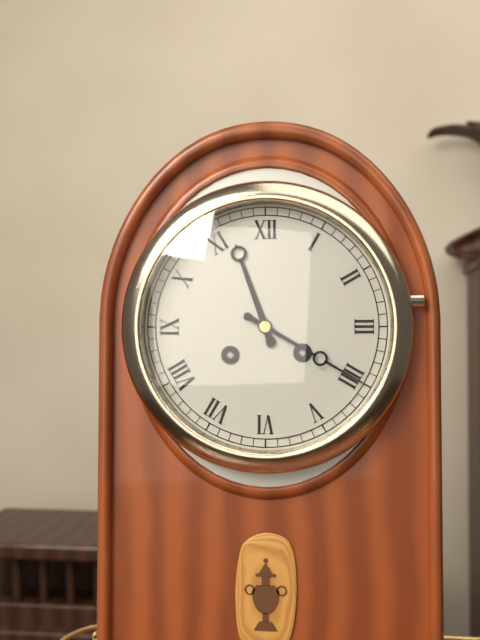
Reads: 11.20
